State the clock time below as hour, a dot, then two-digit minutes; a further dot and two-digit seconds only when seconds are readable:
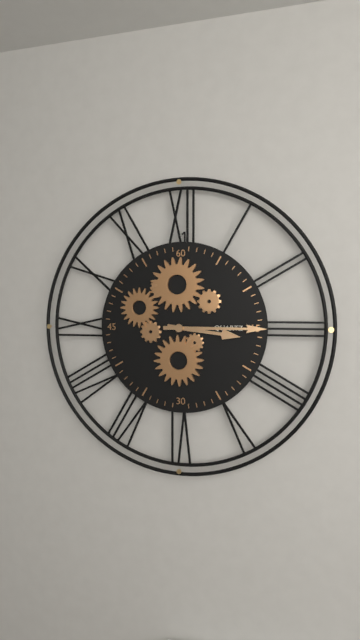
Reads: 3.15
